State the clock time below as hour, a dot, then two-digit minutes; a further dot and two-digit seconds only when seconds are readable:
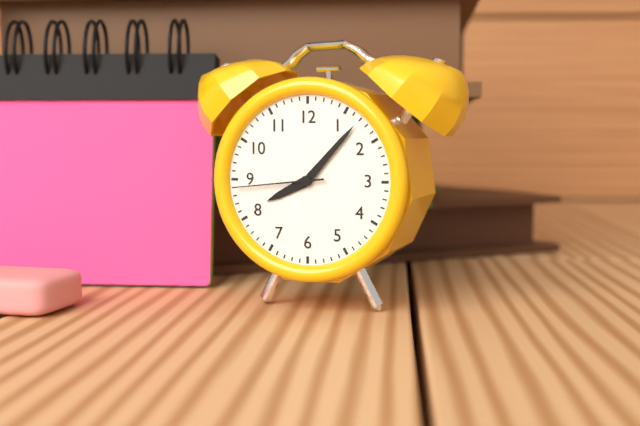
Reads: 8.07.44
